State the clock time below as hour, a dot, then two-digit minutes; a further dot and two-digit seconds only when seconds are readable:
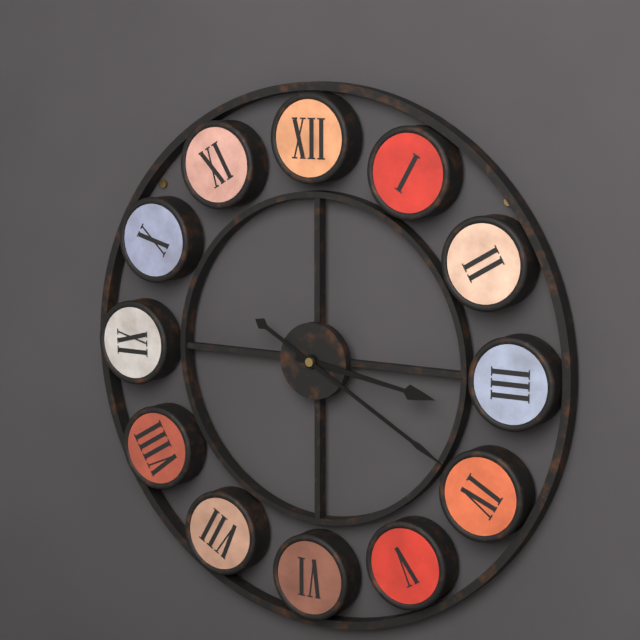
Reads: 3.20
